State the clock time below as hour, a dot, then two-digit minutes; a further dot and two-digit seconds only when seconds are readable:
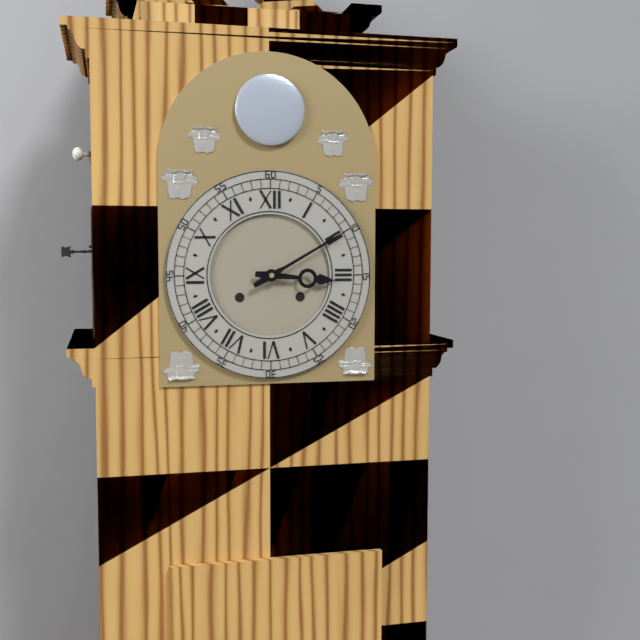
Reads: 3.10
